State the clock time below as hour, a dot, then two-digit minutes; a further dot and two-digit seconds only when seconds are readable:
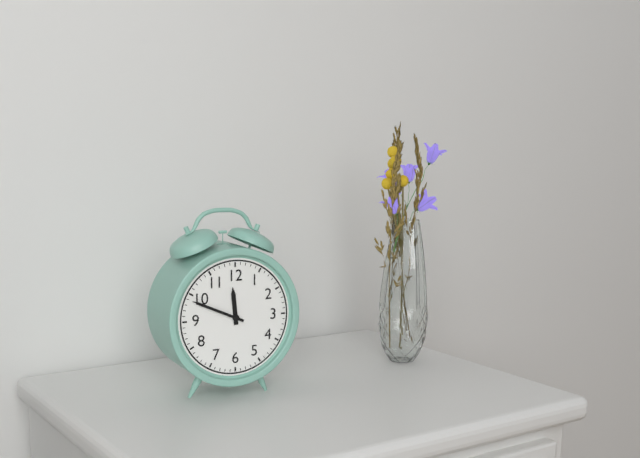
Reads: 11.49
